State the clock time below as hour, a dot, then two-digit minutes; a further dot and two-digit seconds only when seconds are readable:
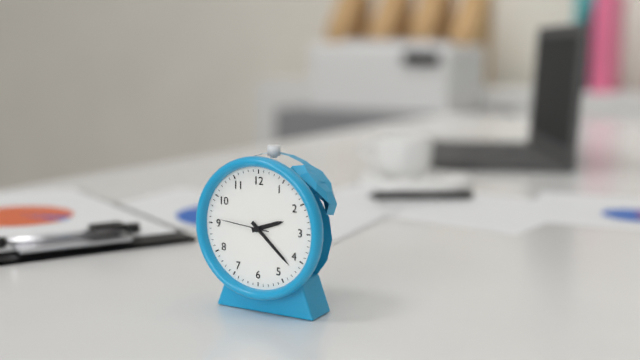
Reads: 2.22
